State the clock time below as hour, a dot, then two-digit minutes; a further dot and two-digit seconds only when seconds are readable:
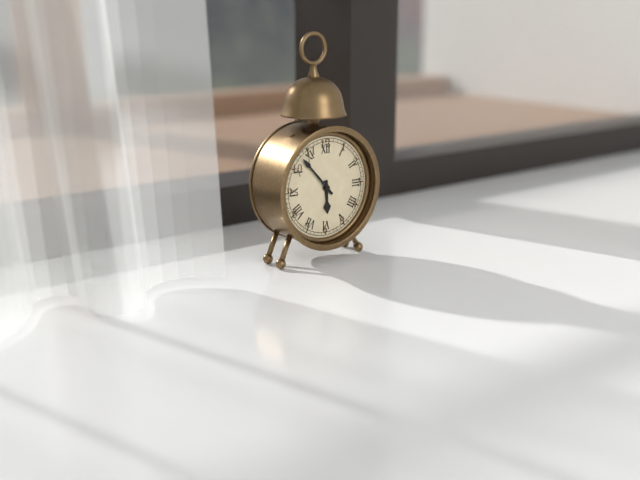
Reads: 5.53
